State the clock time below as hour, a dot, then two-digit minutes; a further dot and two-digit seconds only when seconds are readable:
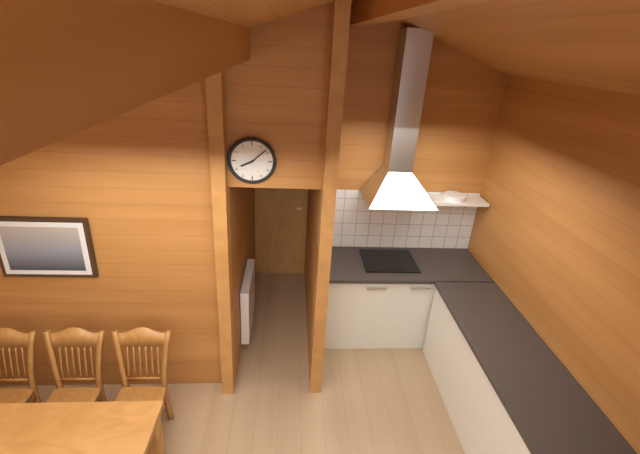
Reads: 8.08
